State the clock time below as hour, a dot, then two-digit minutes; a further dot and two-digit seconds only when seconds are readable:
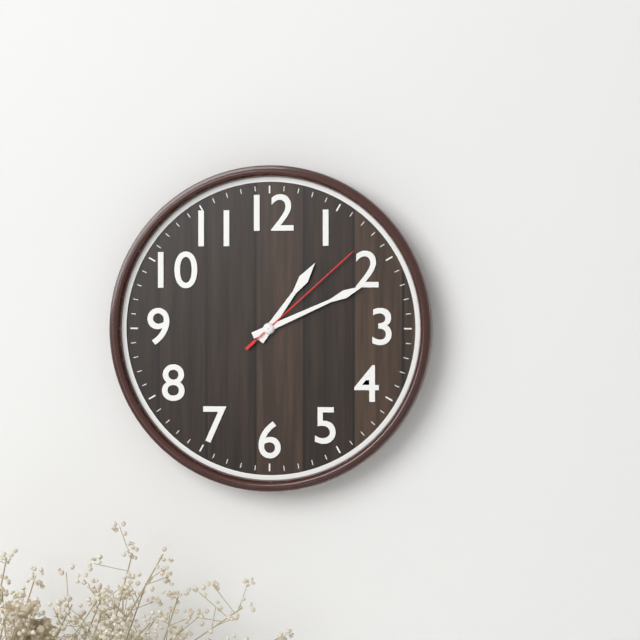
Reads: 1.11.08
